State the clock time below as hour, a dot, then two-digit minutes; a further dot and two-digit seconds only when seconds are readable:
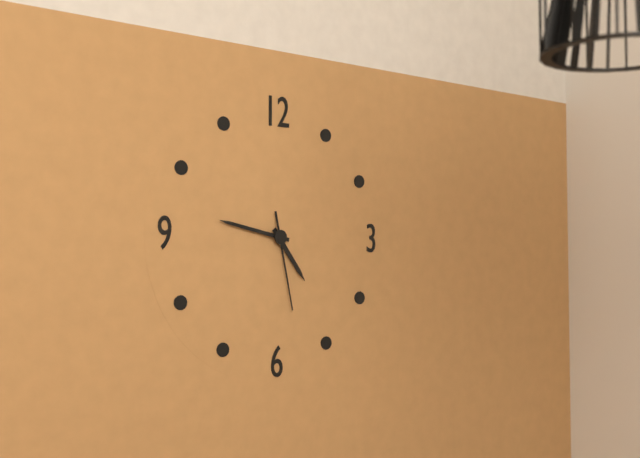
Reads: 4.47.28
